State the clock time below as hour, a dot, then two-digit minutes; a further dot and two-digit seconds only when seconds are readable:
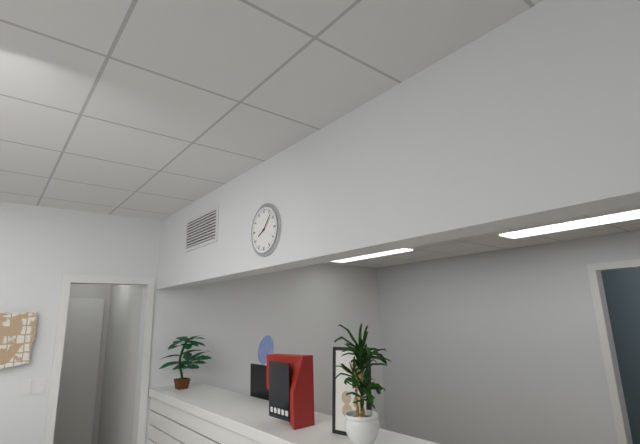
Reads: 8.07
